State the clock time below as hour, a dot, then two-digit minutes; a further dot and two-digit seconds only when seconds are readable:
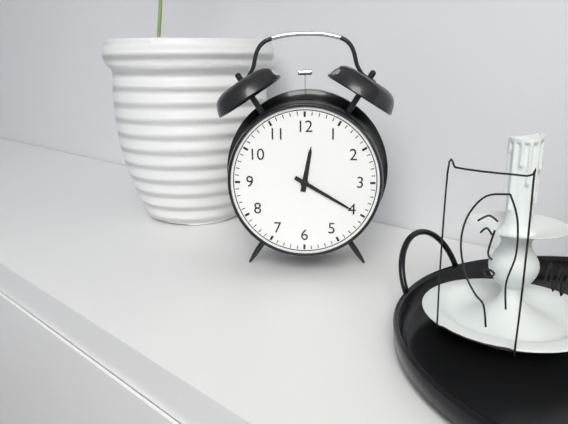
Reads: 12.20
